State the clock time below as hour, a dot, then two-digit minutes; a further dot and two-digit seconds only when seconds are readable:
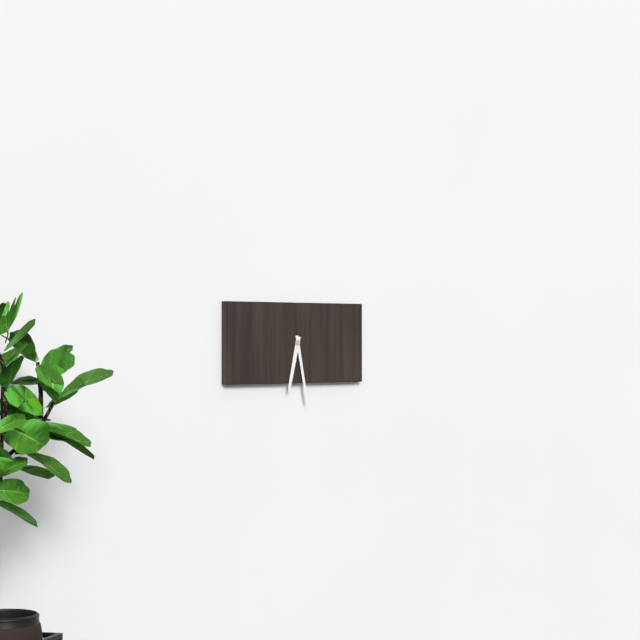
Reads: 6.28
